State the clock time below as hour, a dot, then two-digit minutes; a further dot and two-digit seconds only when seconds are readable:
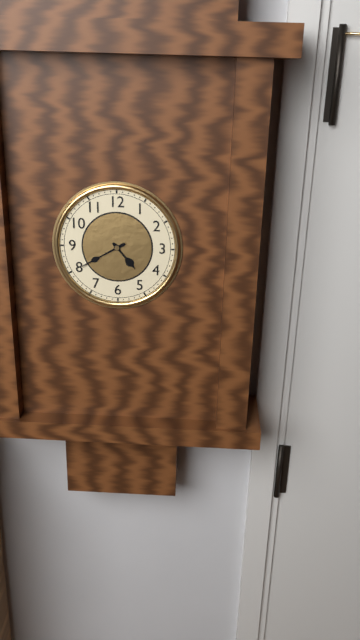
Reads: 4.40
